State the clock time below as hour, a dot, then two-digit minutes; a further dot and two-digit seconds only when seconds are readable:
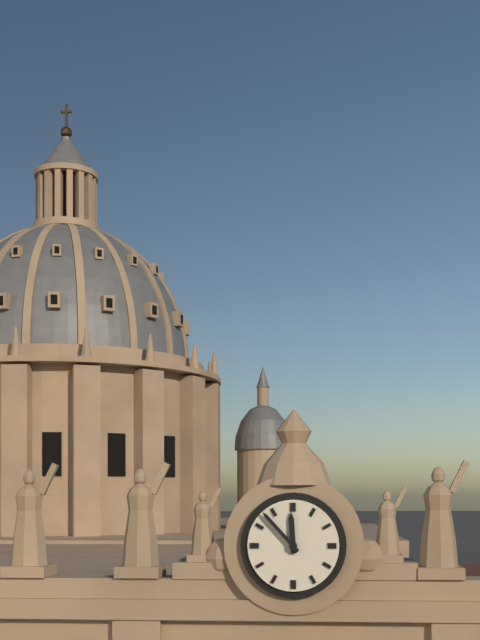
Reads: 11.53
